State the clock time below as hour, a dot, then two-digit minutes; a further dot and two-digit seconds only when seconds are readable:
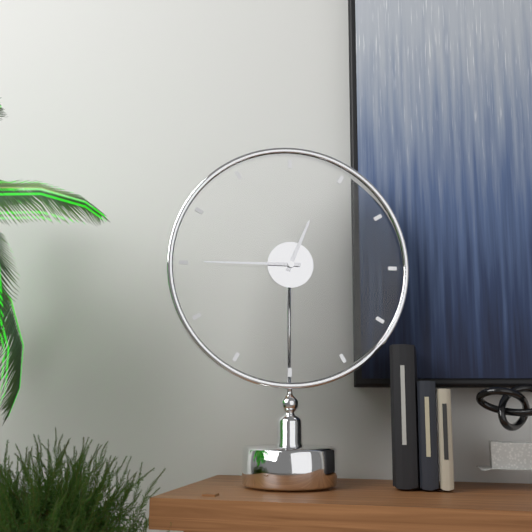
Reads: 12.45
